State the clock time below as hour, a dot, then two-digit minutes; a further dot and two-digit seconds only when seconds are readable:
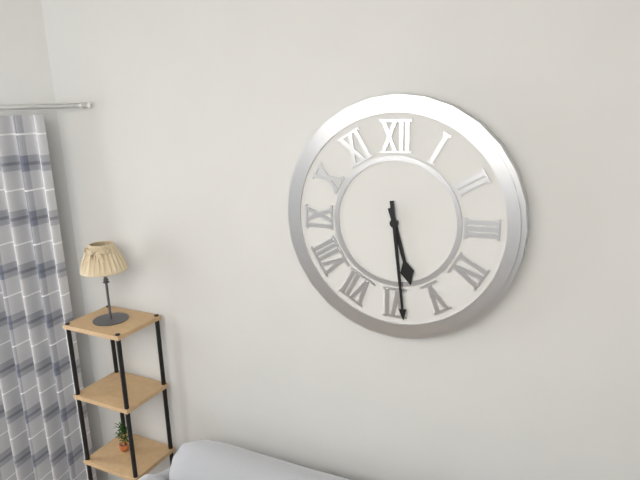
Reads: 5.29
